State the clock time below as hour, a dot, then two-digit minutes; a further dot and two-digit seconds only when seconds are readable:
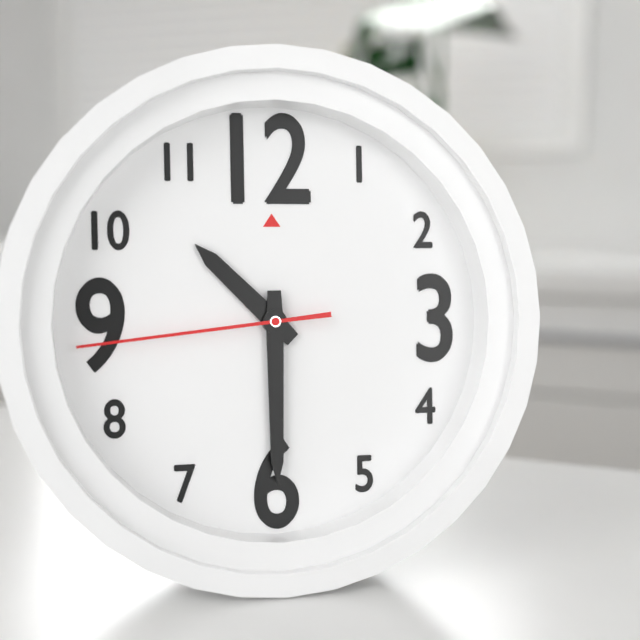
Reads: 10.30.44
